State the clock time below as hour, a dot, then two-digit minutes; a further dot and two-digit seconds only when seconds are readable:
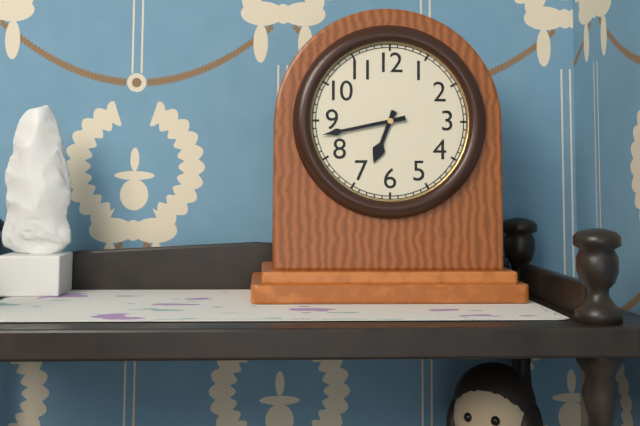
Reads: 6.43
